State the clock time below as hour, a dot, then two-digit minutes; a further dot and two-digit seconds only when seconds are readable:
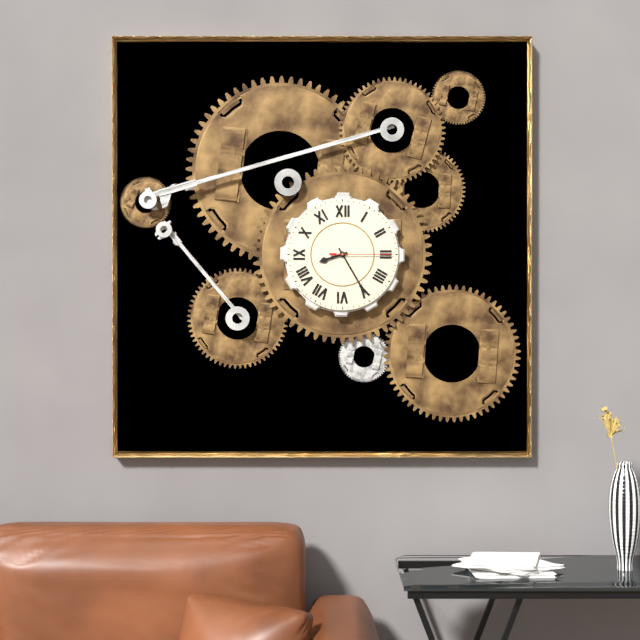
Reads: 8.25.15
